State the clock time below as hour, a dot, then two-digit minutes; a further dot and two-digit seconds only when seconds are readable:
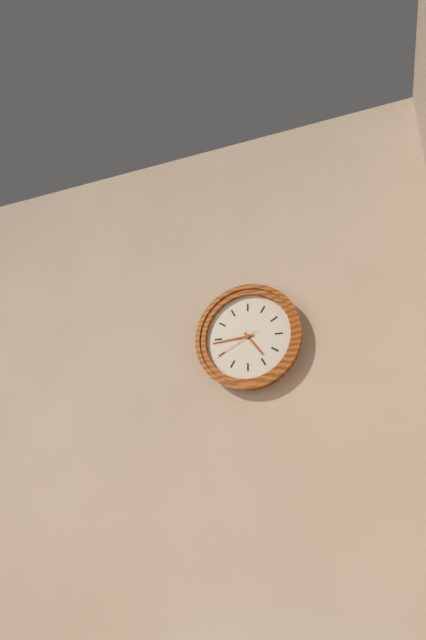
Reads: 4.44
